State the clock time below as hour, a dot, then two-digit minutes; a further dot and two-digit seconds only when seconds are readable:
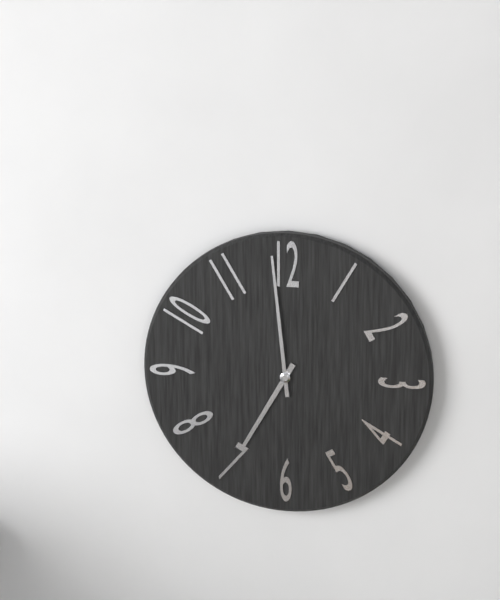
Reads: 6.59
